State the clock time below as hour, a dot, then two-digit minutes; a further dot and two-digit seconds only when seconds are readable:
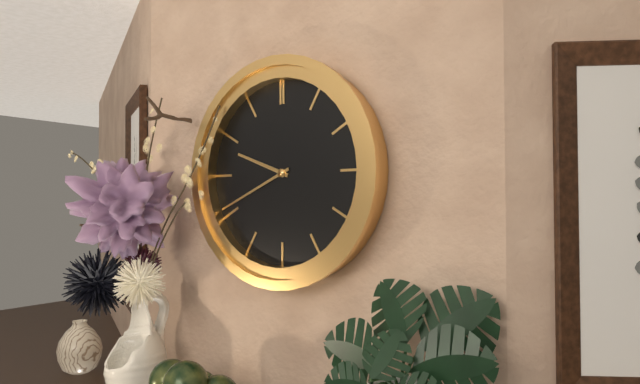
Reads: 9.41
